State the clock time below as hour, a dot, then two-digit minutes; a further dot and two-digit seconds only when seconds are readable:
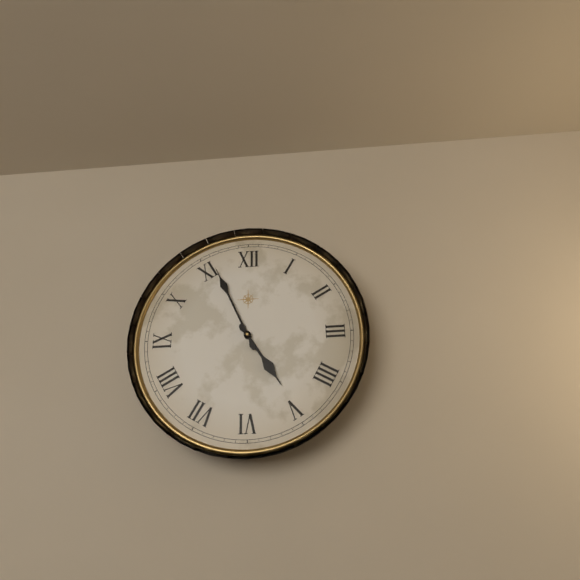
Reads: 4.56
